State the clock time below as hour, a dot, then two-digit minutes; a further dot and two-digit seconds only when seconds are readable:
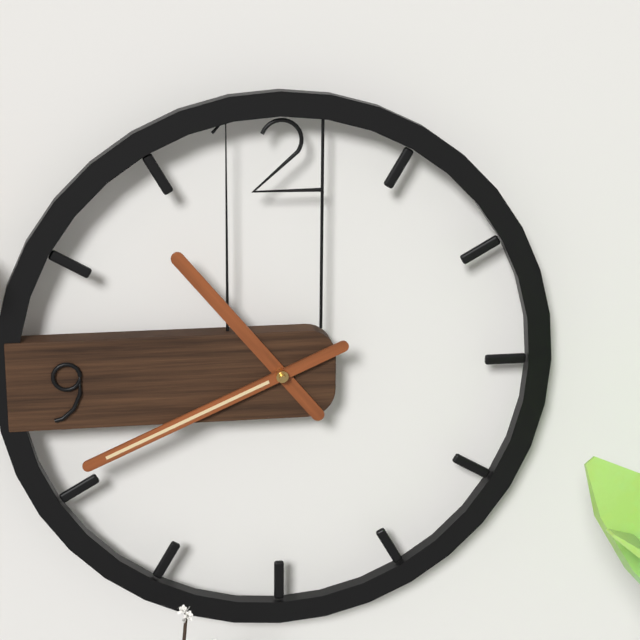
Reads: 10.41
